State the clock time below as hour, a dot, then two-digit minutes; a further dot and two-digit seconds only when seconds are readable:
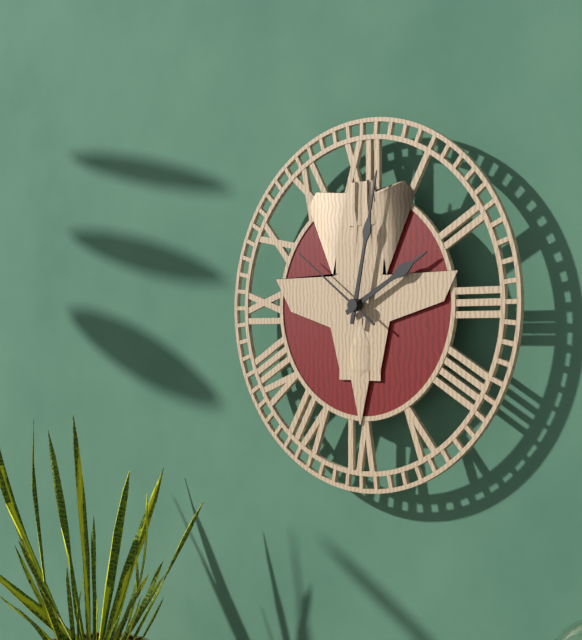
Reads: 2.02.51
